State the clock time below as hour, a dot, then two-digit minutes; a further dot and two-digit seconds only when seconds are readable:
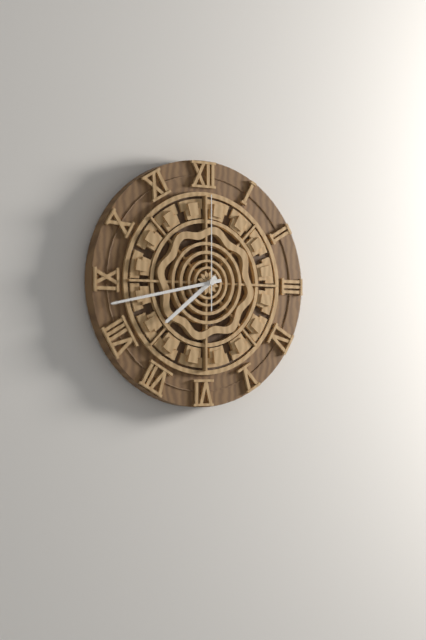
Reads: 7.43.00
